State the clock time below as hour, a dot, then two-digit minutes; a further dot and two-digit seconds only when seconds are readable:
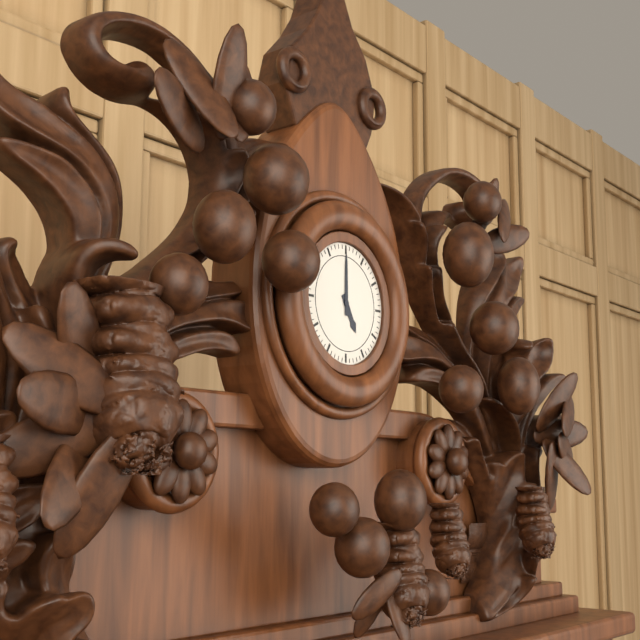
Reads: 5.00
